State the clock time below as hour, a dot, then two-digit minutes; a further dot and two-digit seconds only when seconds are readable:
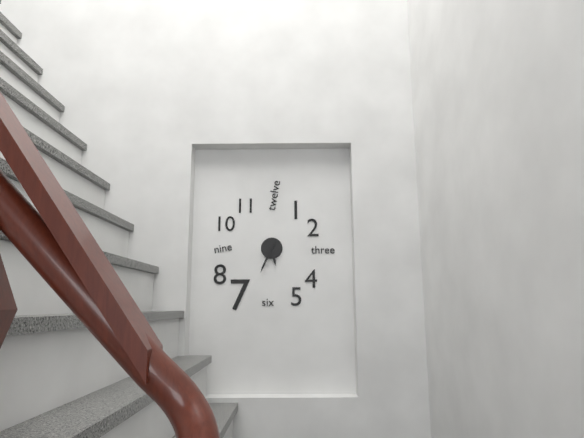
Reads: 5.34
